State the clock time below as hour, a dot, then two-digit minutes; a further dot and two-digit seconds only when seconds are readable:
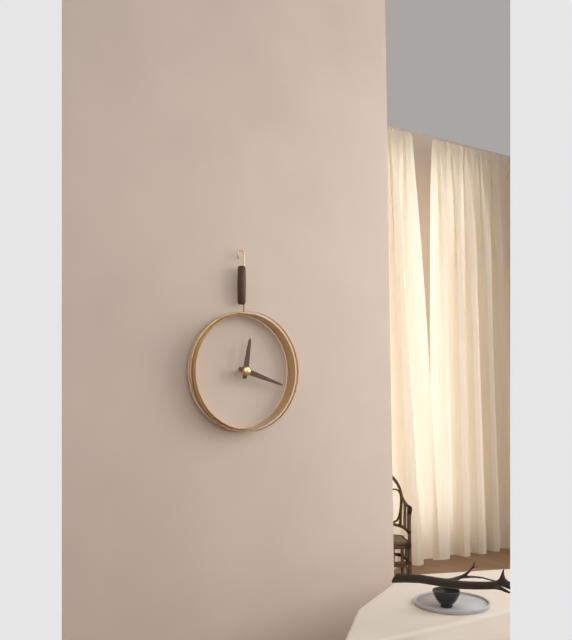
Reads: 12.18
